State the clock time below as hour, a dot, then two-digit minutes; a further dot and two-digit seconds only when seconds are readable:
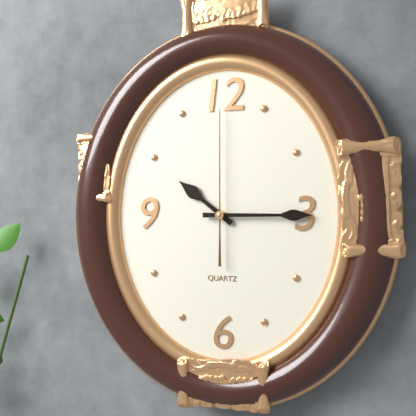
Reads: 10.15.00
